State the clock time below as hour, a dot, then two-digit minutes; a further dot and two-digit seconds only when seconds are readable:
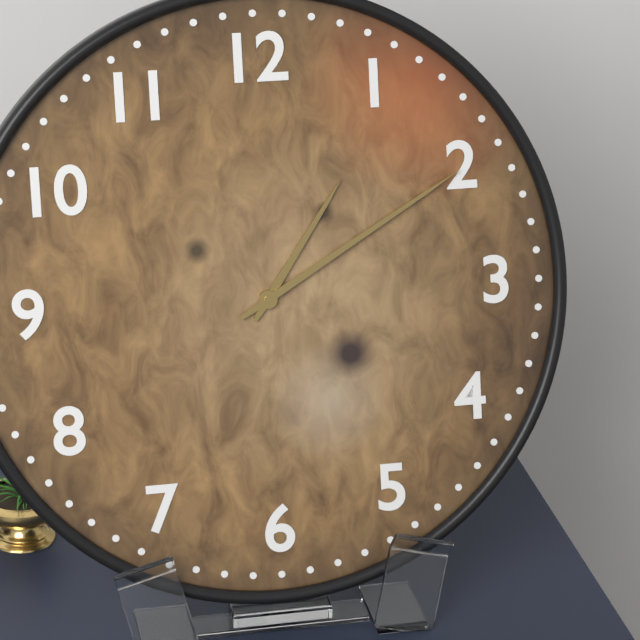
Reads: 1.10
